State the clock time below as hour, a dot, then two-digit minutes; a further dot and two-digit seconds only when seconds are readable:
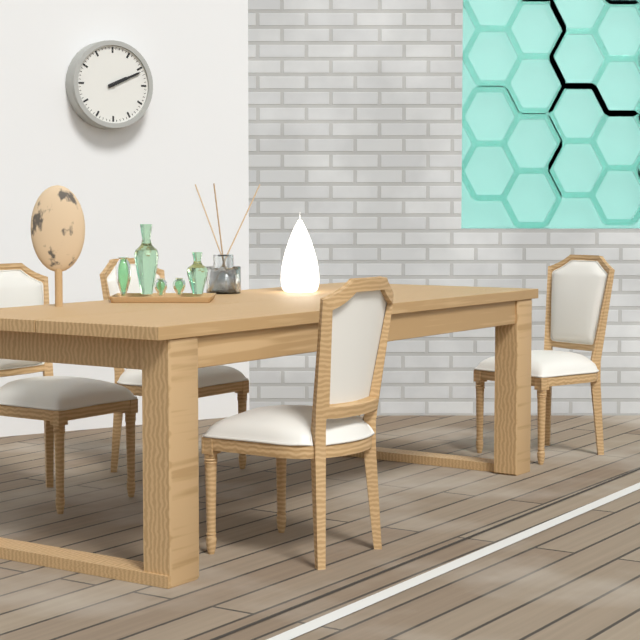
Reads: 2.11
